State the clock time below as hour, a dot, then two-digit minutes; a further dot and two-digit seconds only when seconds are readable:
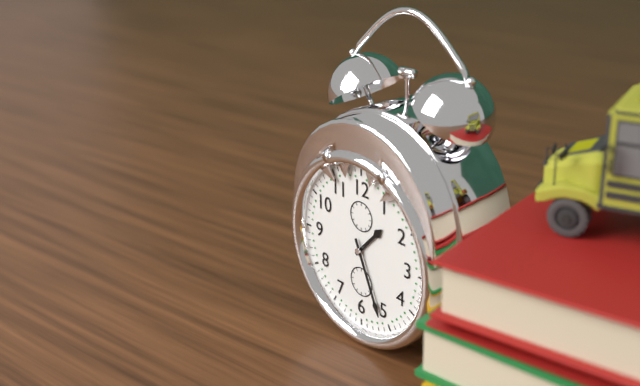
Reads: 1.26
